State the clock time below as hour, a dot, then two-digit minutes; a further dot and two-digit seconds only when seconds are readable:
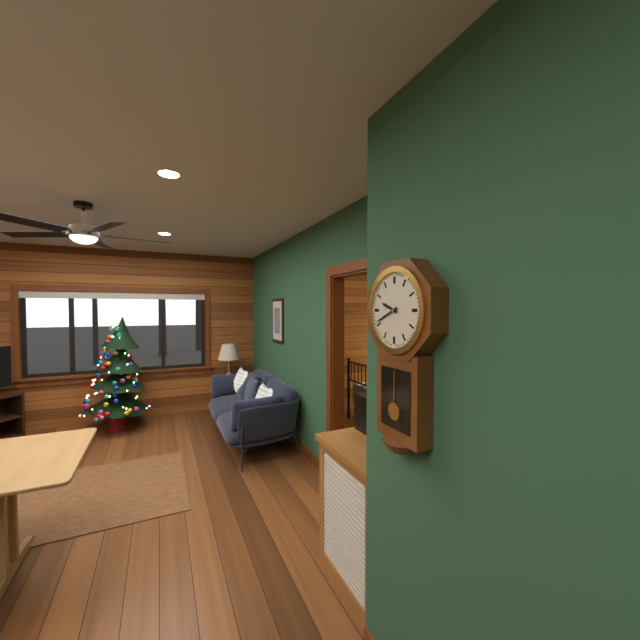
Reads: 9.41
